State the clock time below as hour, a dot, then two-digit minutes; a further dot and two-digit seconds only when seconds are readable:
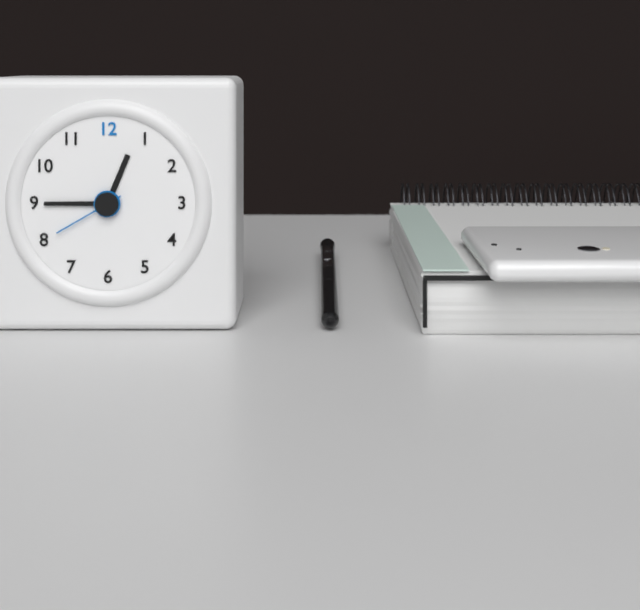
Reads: 12.45.40
